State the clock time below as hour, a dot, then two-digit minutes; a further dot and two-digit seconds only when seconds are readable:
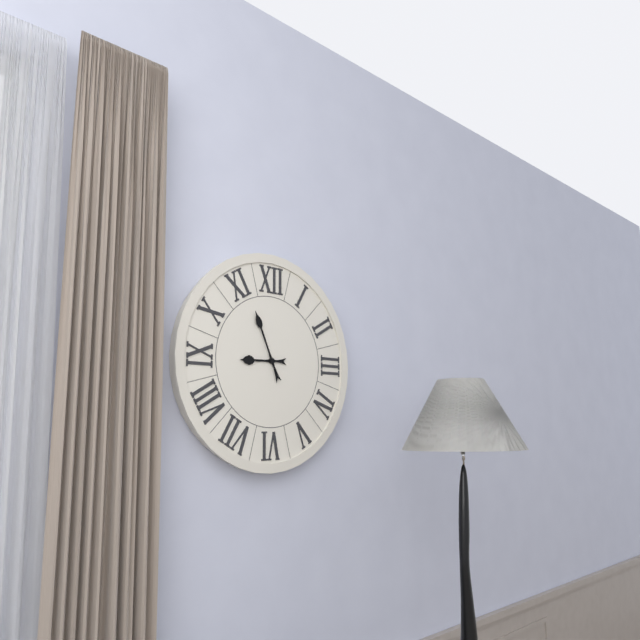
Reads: 8.56
